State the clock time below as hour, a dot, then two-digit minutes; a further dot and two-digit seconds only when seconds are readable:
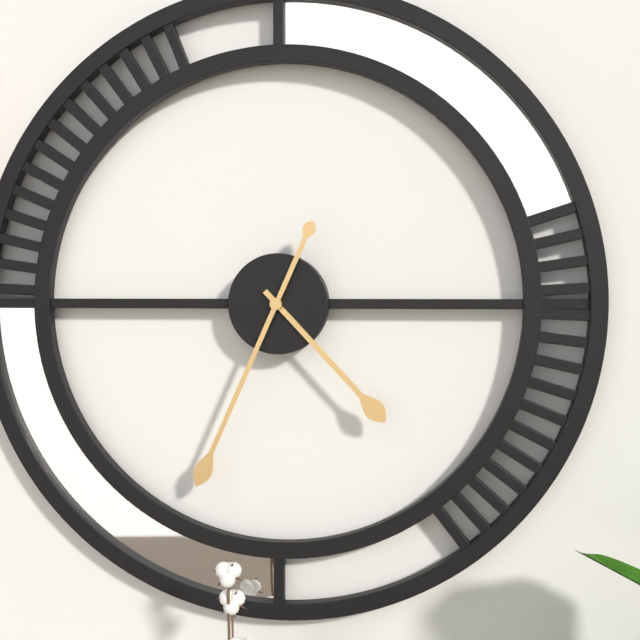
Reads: 4.34
